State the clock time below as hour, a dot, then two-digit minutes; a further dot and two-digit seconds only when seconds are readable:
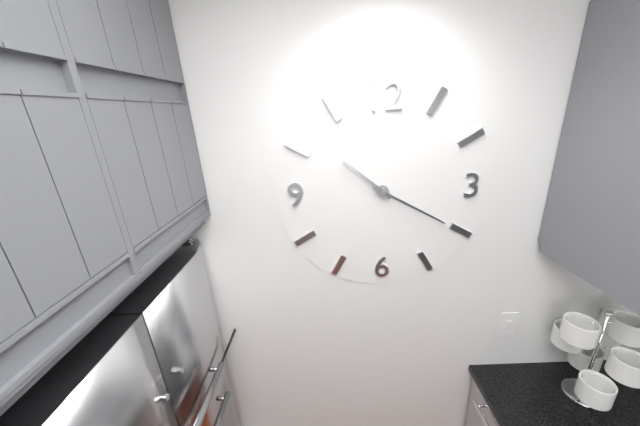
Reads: 10.20
